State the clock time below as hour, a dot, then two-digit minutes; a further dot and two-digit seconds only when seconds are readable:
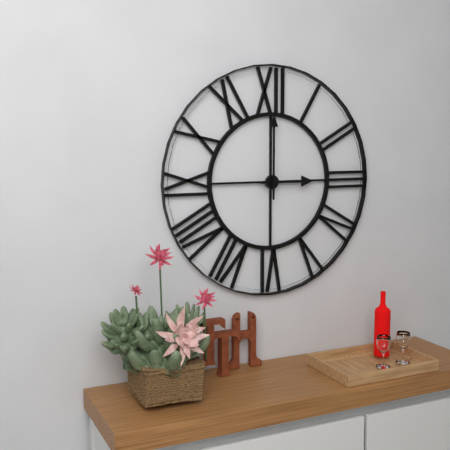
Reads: 3.00
